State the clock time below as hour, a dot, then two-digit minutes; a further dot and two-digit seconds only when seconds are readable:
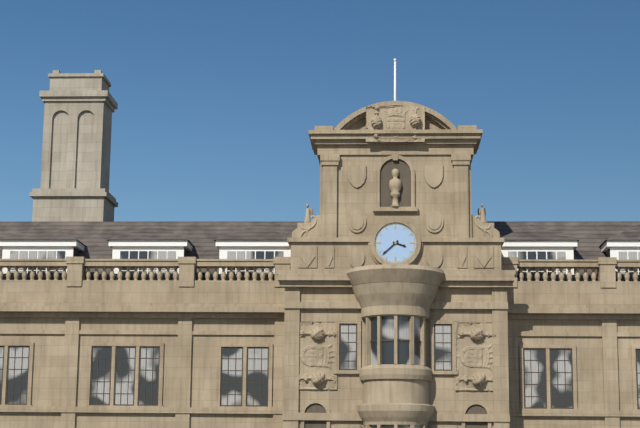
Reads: 3.38
